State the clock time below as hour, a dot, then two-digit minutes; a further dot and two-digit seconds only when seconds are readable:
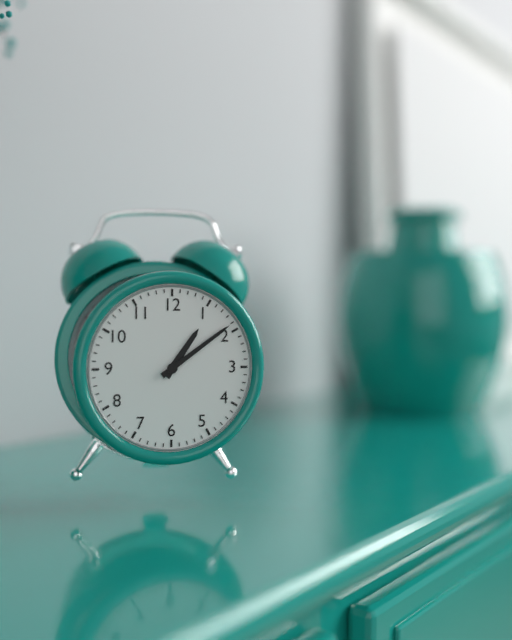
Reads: 1.09
